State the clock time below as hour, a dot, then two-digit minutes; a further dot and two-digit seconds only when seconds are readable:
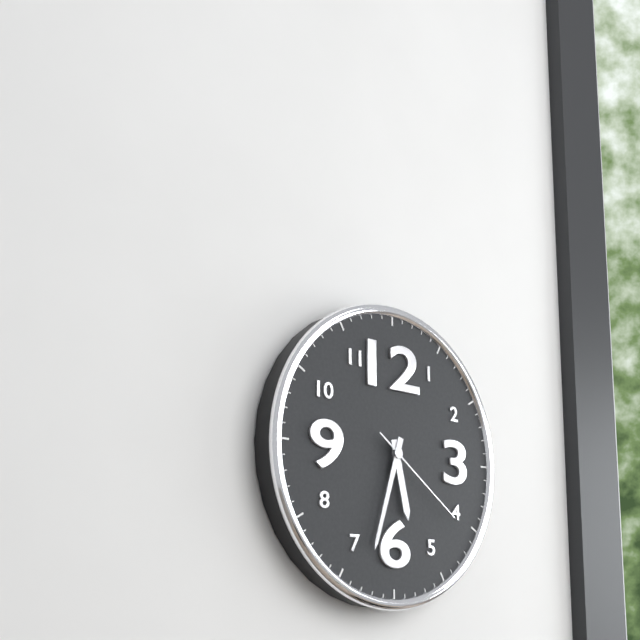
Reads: 5.33.21
